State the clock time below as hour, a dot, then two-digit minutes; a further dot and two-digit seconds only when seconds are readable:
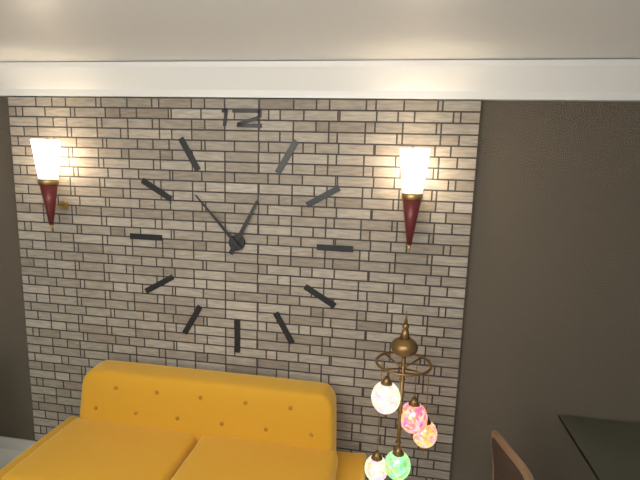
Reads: 12.53
